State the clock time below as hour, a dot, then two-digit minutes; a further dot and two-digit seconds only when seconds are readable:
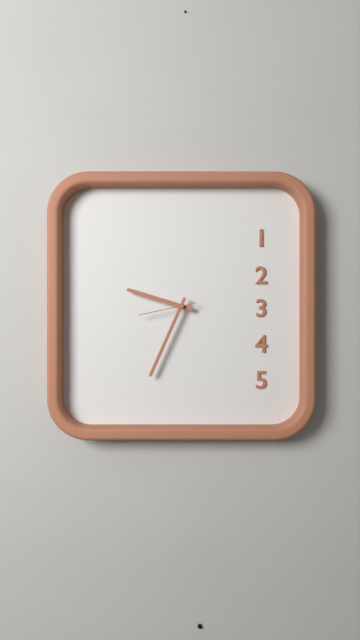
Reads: 9.34.43
